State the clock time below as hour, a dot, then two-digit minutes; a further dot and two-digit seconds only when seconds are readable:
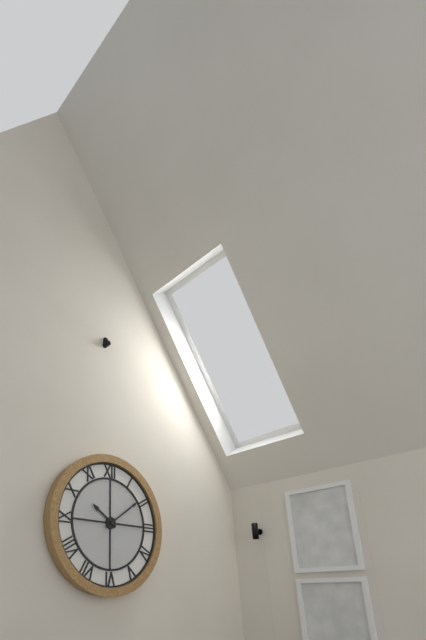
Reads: 10.09
